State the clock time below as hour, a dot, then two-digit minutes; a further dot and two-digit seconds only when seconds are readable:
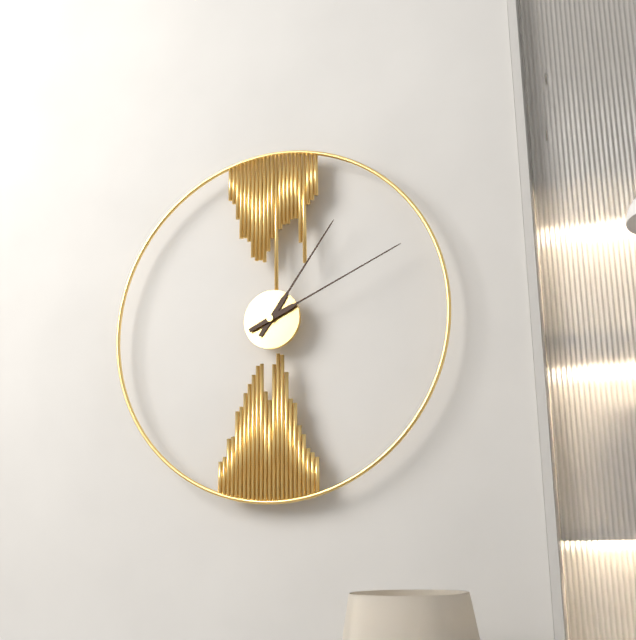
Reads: 1.11
